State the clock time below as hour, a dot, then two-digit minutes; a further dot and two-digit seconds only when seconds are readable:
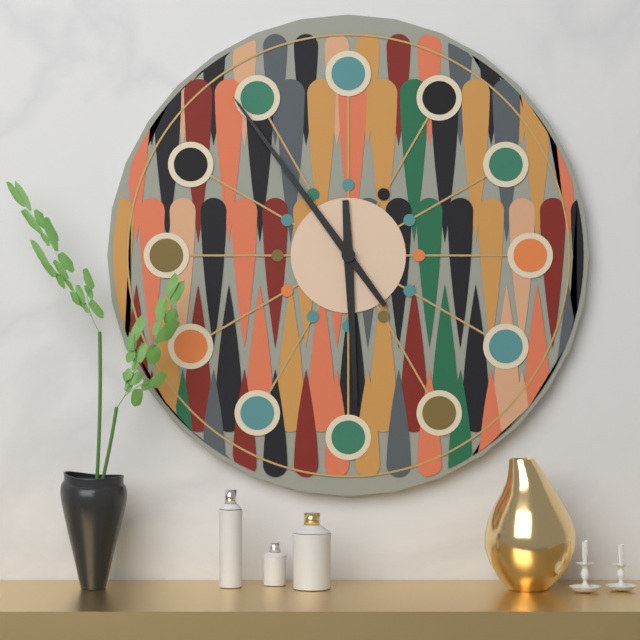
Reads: 5.54
